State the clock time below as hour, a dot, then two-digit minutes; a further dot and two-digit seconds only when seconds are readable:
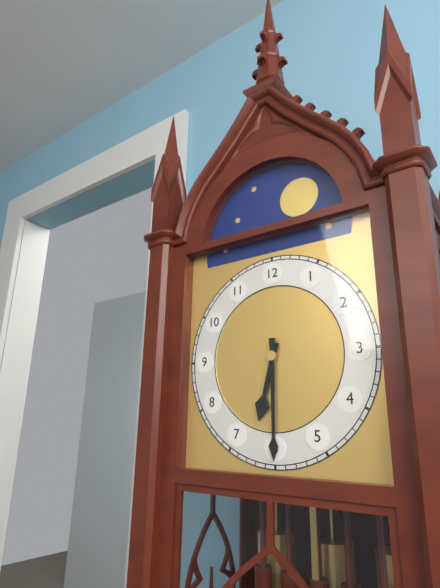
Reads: 6.30
